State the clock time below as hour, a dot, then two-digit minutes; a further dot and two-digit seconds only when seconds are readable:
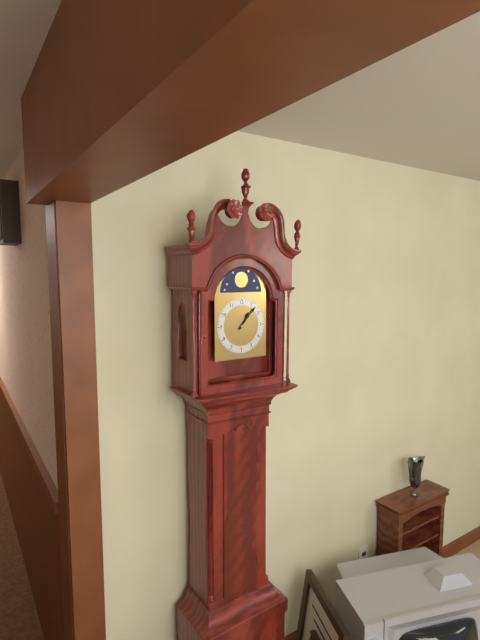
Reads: 1.07
